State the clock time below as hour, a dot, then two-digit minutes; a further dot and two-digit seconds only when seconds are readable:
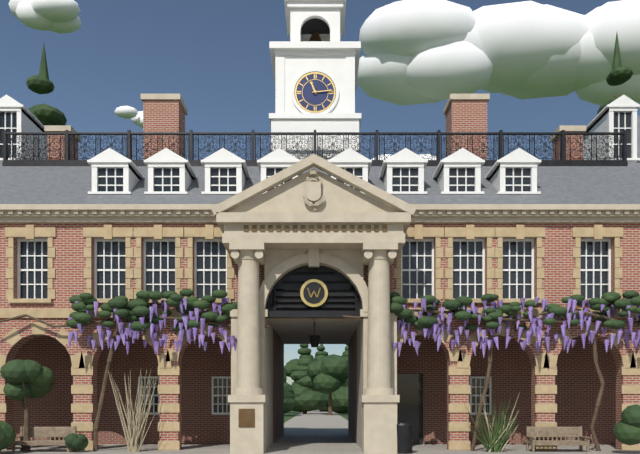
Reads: 11.14
